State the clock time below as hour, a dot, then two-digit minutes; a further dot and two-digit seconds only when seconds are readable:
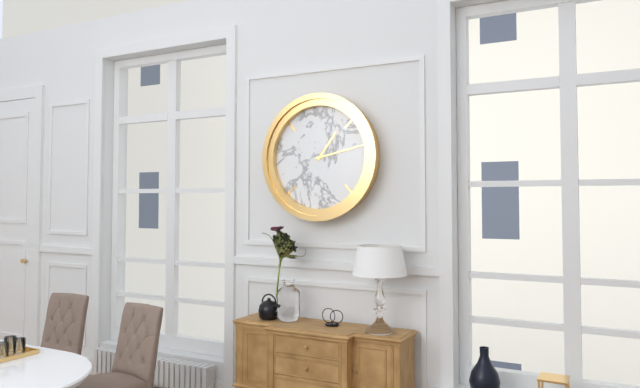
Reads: 1.13
